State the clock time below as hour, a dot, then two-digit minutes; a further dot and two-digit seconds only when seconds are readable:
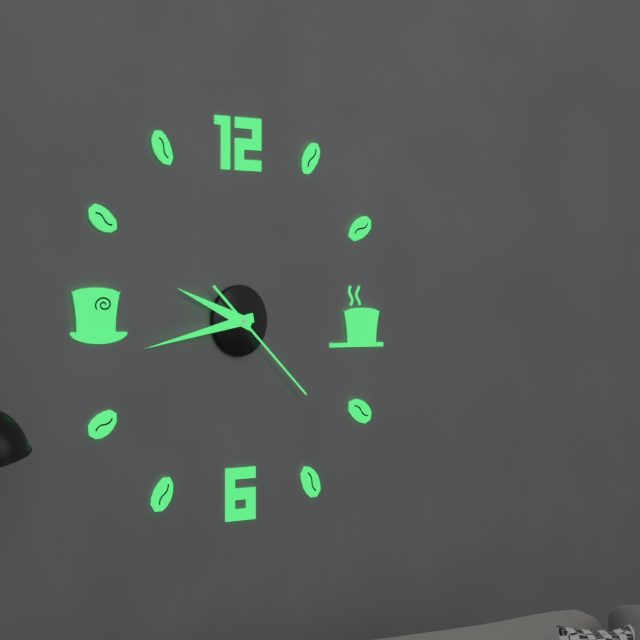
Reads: 9.43.22
